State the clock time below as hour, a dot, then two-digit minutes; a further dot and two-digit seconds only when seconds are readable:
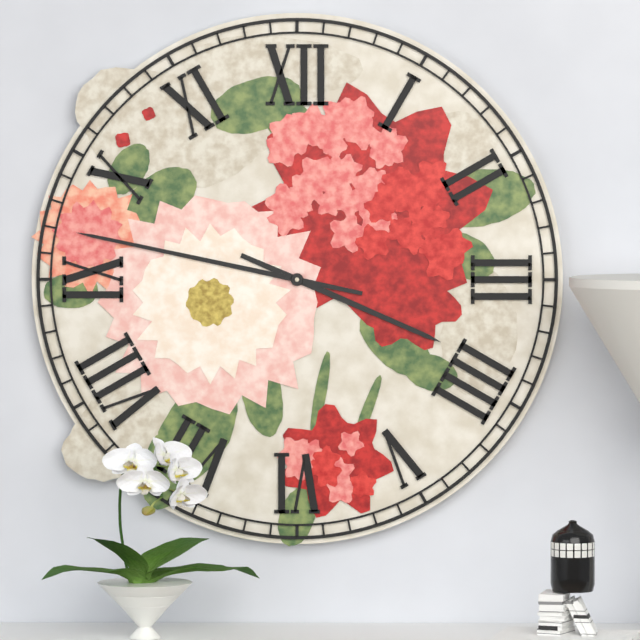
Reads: 3.47
